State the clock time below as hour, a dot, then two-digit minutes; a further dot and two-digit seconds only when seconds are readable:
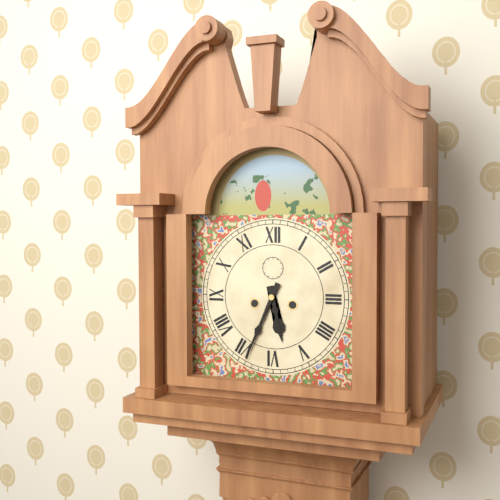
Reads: 5.34
